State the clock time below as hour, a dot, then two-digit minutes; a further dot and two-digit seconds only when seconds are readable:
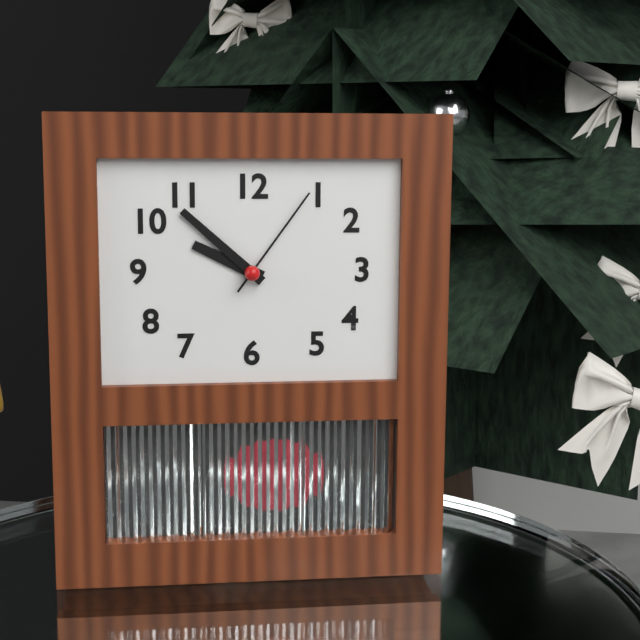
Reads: 9.52.06
